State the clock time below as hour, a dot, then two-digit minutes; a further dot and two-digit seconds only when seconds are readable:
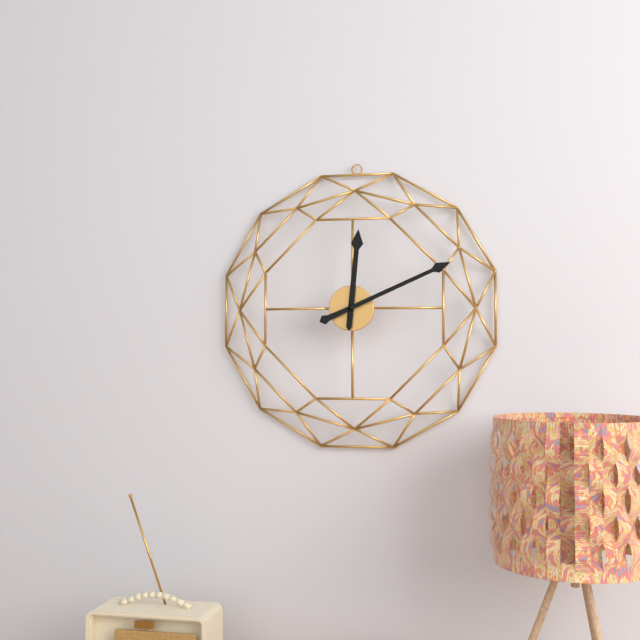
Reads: 12.11
